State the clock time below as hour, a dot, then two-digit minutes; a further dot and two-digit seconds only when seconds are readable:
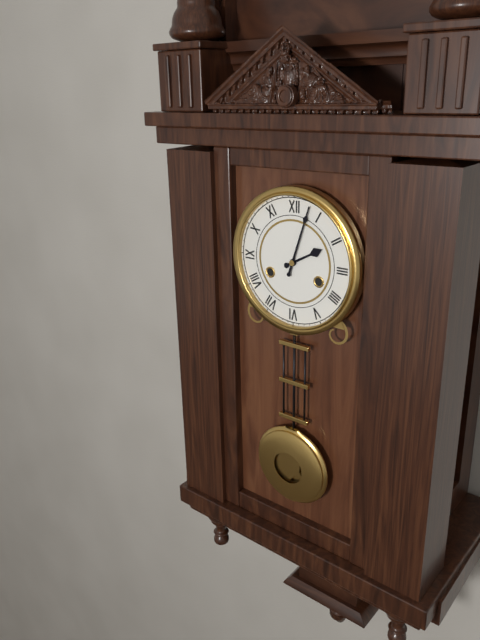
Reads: 2.03
